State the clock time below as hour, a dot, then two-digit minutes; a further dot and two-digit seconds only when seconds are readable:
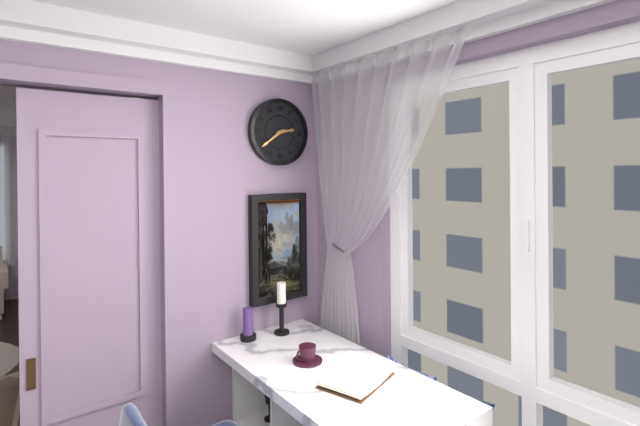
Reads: 2.39
